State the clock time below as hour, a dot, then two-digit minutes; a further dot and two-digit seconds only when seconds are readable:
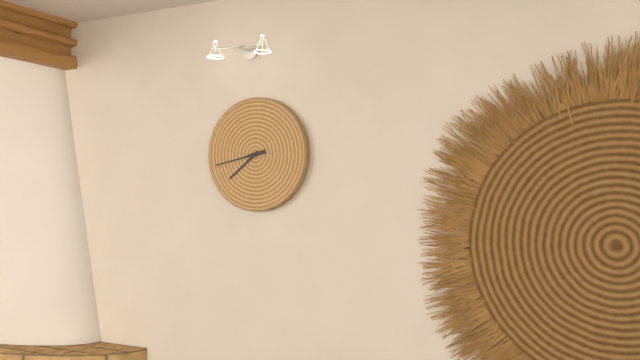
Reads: 7.43
